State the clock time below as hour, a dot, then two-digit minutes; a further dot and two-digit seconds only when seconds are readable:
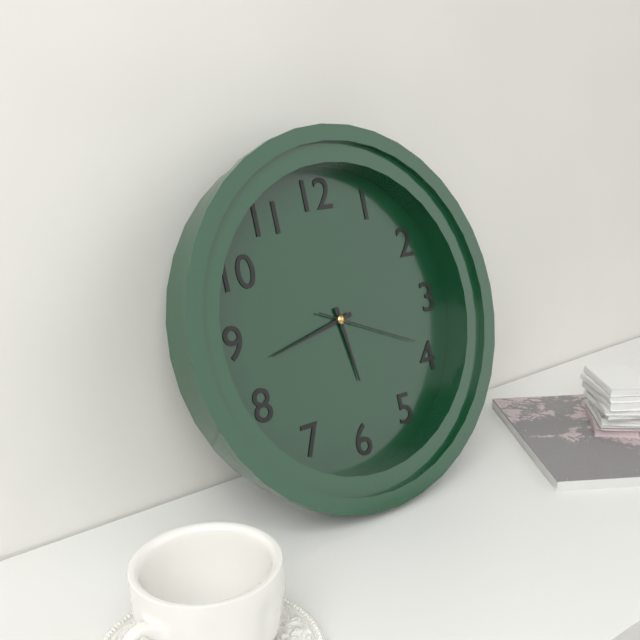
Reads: 5.43.19
